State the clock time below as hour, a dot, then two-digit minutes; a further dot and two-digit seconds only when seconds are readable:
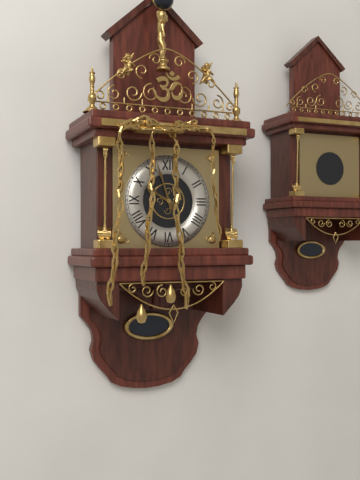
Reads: 9.57
